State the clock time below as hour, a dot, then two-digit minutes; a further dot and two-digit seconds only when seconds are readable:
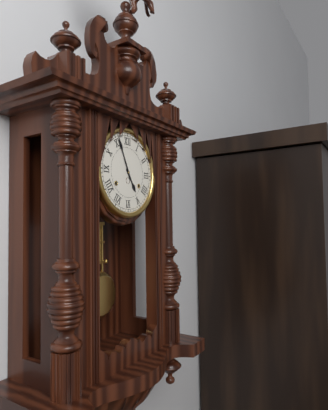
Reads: 4.56
